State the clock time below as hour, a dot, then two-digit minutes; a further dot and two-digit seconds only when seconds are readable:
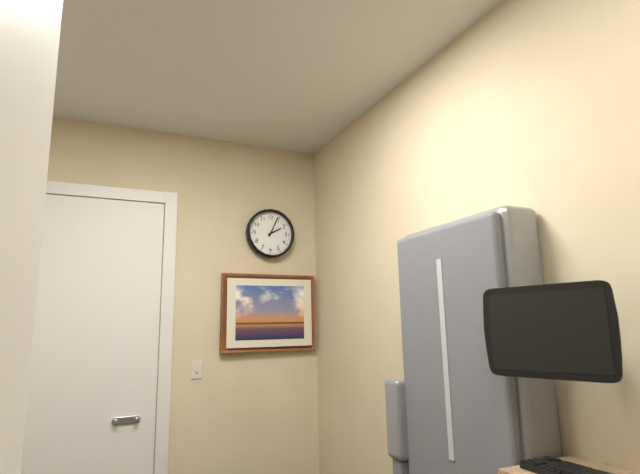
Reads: 2.04
